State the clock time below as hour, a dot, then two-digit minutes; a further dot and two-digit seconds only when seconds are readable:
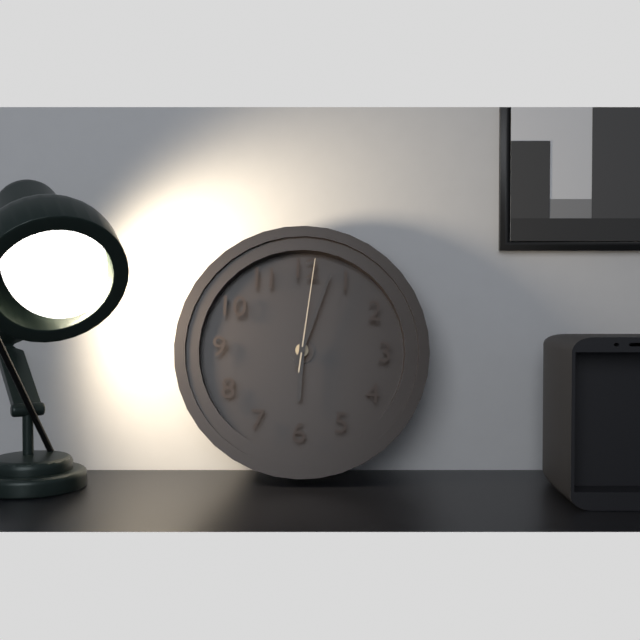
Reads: 6.03.01
